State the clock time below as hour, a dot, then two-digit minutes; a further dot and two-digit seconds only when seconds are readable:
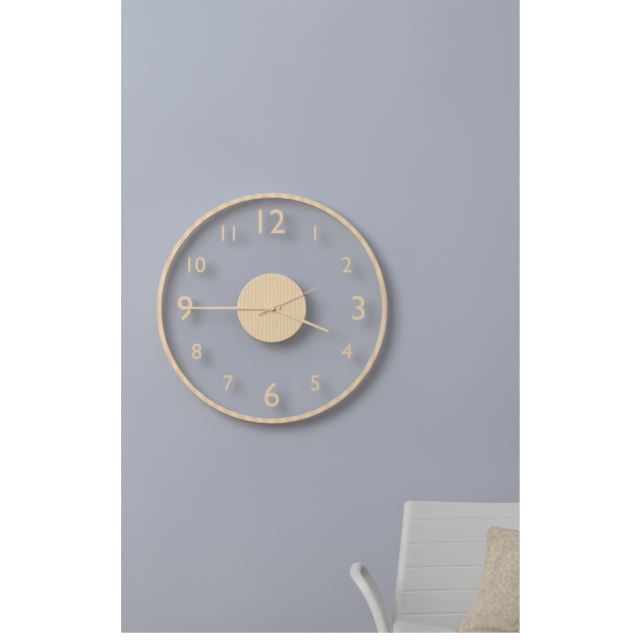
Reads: 3.45.11
